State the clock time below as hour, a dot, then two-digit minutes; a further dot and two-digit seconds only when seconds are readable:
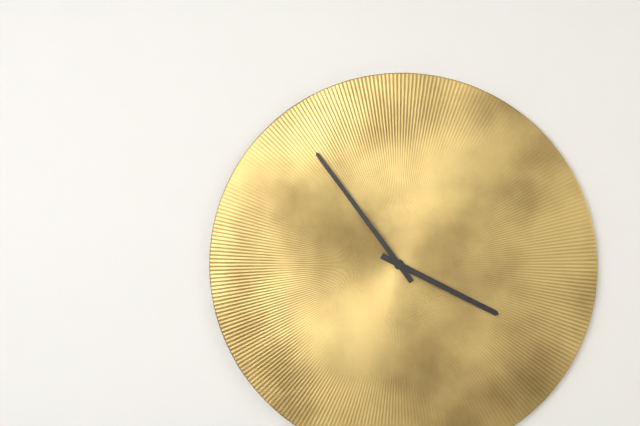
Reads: 3.54
